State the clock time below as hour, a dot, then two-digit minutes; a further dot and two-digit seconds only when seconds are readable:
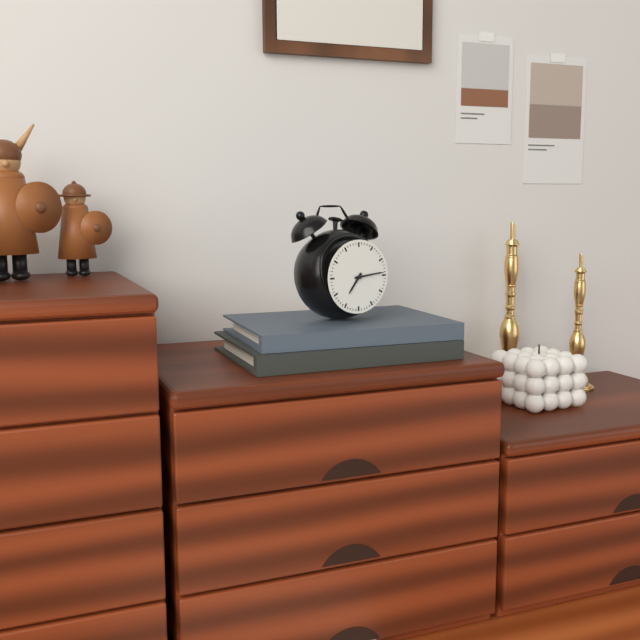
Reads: 7.14
